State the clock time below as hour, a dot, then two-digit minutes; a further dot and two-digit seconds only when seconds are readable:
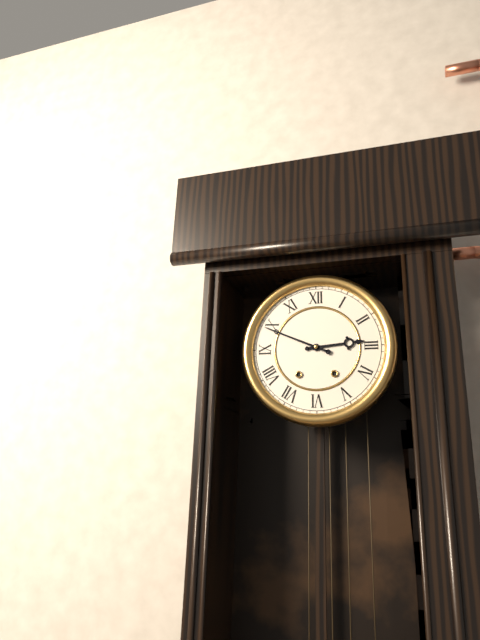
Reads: 2.49
